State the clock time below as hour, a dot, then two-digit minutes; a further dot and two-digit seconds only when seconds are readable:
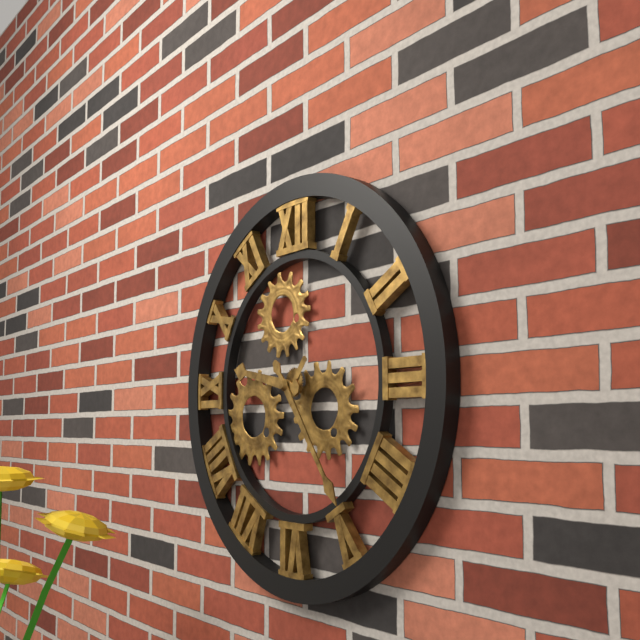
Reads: 9.24
